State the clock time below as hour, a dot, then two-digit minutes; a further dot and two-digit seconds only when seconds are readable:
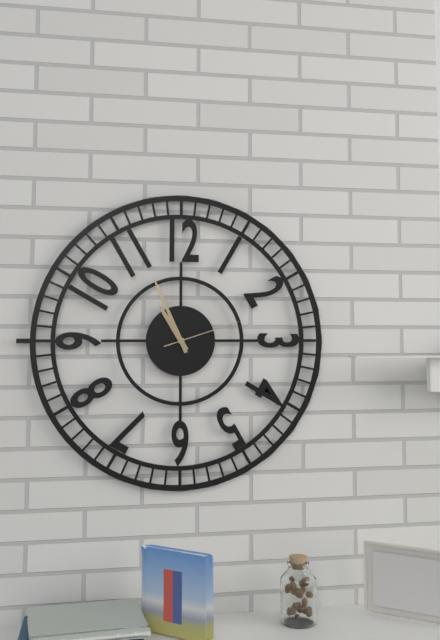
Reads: 10.56.12
